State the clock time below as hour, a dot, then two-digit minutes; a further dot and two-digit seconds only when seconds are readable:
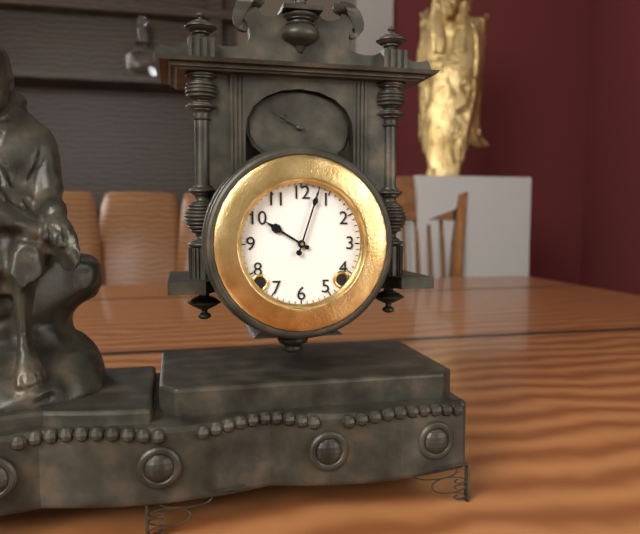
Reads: 10.03
